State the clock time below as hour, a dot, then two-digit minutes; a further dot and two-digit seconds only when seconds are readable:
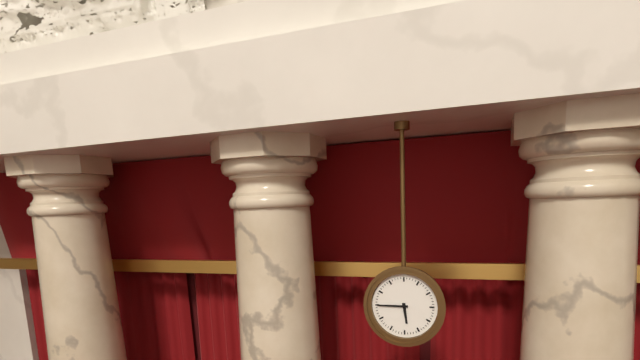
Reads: 5.45
